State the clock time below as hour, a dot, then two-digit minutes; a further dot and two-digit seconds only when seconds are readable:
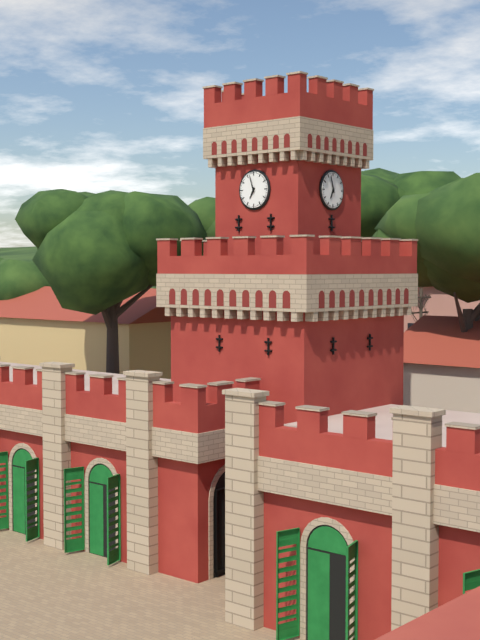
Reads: 6.57
